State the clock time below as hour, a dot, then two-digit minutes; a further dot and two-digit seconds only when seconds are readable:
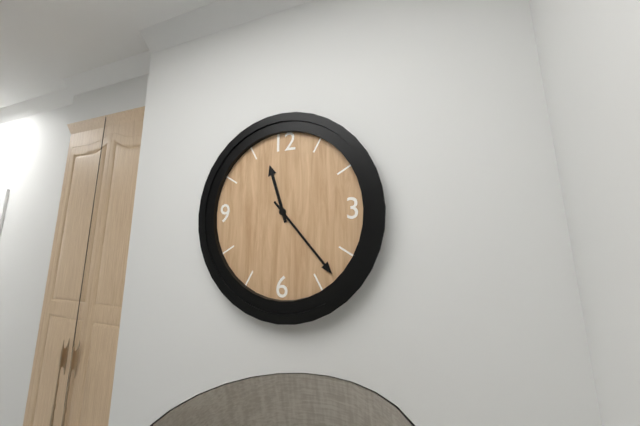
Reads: 11.23
